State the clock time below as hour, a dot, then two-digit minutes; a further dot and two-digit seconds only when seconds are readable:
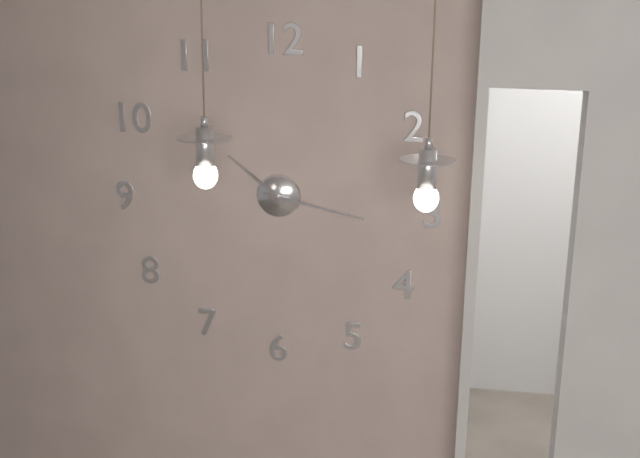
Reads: 10.17
